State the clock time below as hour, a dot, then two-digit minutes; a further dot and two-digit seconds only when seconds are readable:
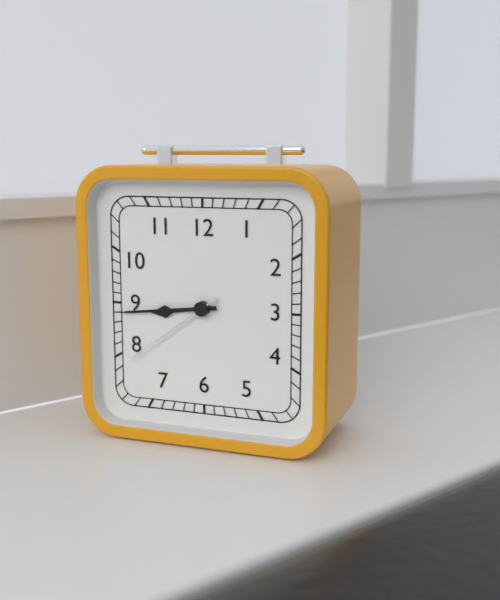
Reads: 8.44.39
